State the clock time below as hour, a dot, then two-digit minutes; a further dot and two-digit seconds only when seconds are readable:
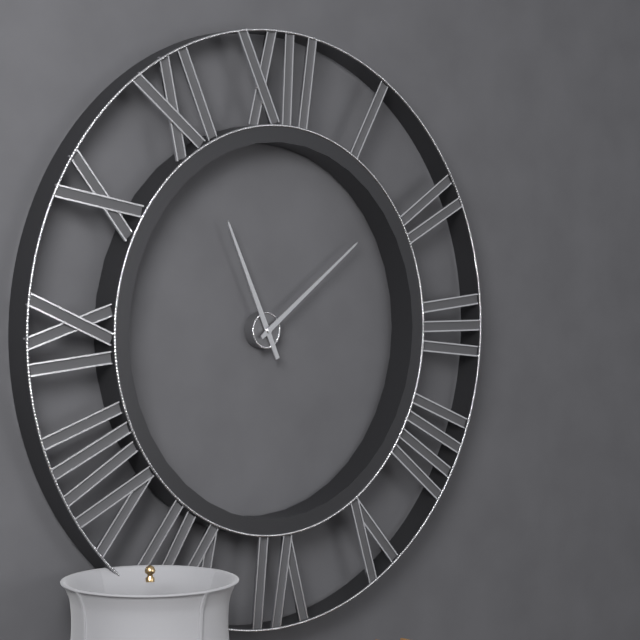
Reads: 11.09
